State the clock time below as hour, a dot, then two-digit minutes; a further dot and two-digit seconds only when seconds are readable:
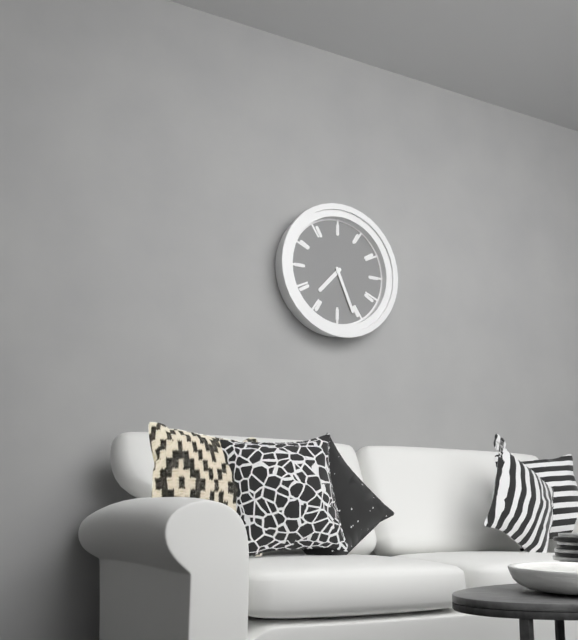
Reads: 7.26
